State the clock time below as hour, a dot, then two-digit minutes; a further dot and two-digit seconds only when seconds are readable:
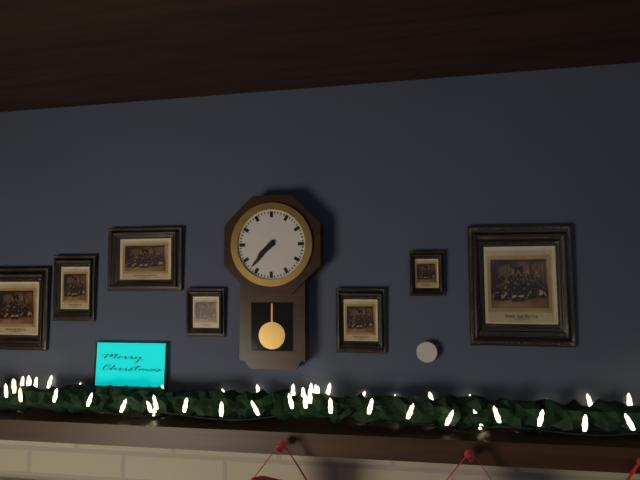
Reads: 7.37
